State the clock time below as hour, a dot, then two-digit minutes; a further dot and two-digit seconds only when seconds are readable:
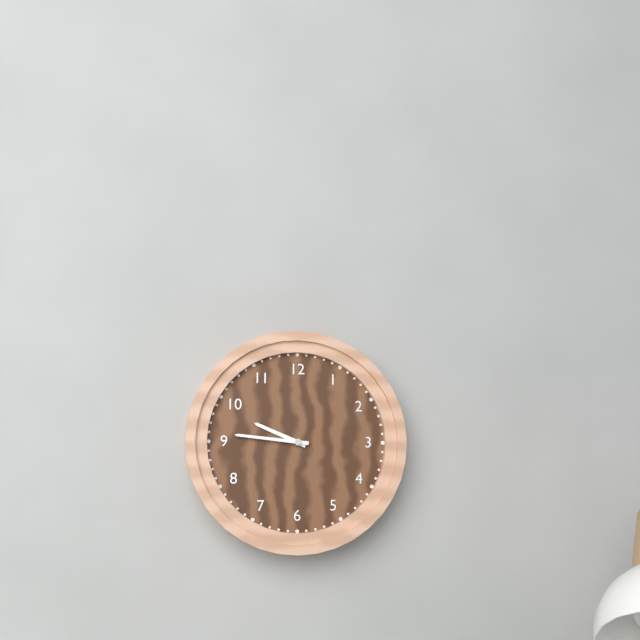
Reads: 9.46
